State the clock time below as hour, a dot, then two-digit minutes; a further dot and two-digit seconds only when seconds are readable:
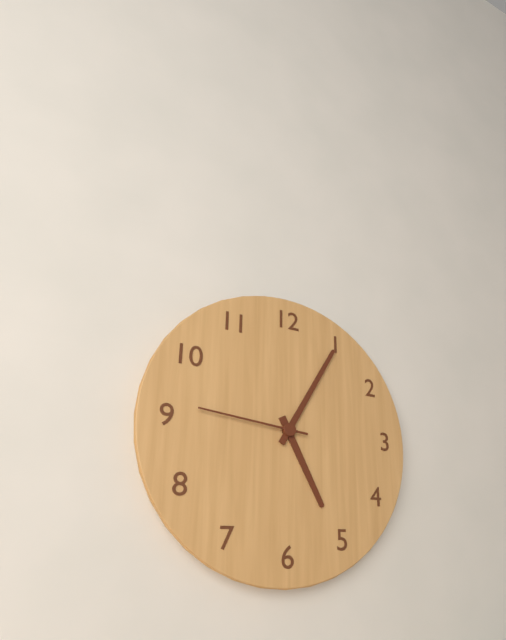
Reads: 5.05.46
